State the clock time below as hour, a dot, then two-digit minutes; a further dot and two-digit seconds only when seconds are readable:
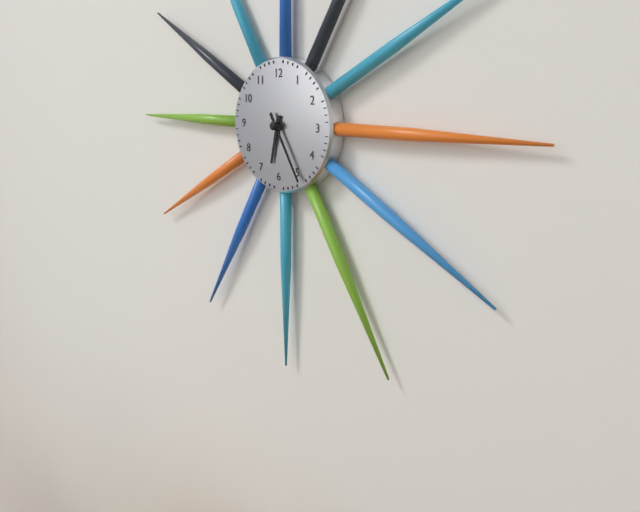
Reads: 6.25
